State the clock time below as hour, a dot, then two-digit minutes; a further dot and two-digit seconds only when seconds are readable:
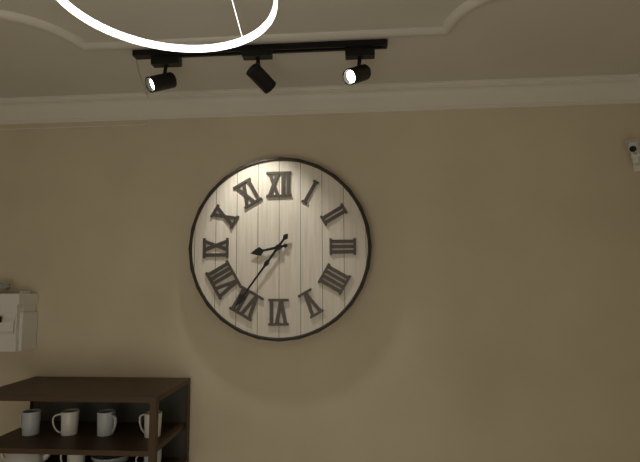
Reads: 8.36
